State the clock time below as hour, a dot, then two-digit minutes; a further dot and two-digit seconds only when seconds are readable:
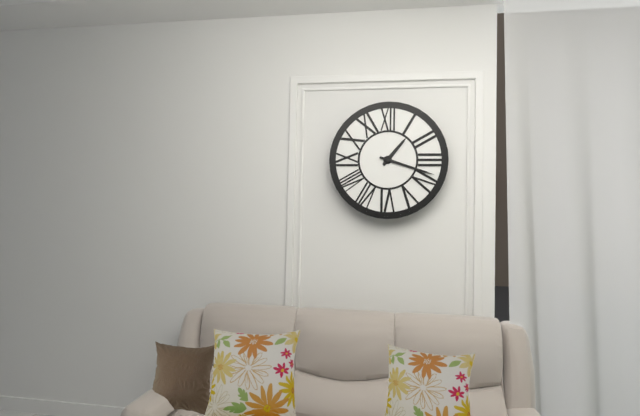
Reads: 1.18
